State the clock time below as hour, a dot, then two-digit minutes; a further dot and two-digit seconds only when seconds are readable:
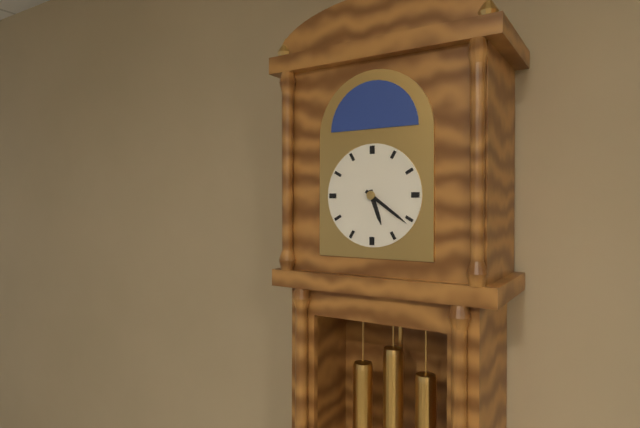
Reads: 5.21
